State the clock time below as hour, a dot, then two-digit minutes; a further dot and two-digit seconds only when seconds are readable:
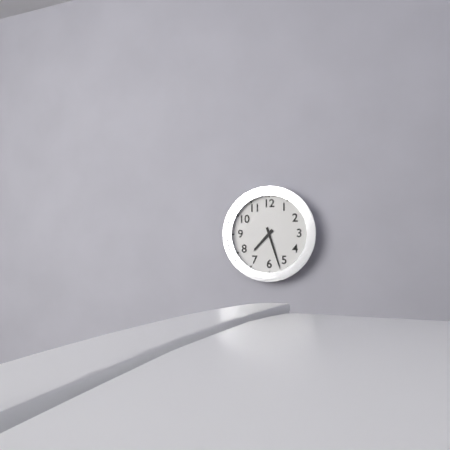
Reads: 7.27
